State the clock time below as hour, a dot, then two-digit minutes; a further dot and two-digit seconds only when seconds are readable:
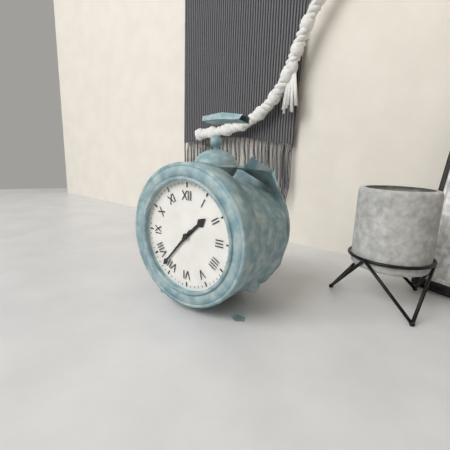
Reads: 1.37
